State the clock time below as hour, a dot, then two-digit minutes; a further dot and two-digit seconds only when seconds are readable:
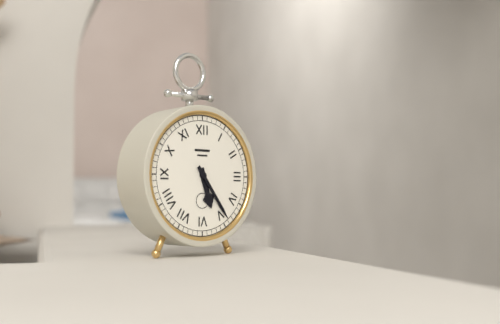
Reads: 5.24
